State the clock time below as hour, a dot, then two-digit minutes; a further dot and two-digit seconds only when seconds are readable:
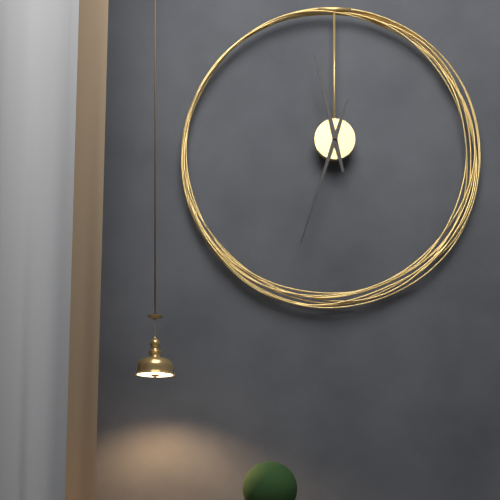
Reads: 11.33
